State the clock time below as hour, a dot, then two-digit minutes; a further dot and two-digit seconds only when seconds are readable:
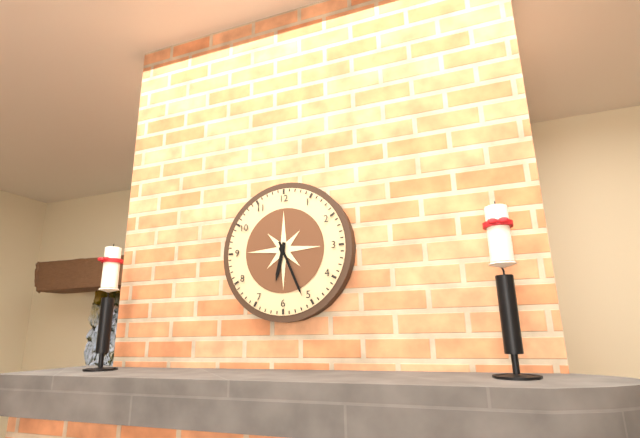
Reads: 6.26
